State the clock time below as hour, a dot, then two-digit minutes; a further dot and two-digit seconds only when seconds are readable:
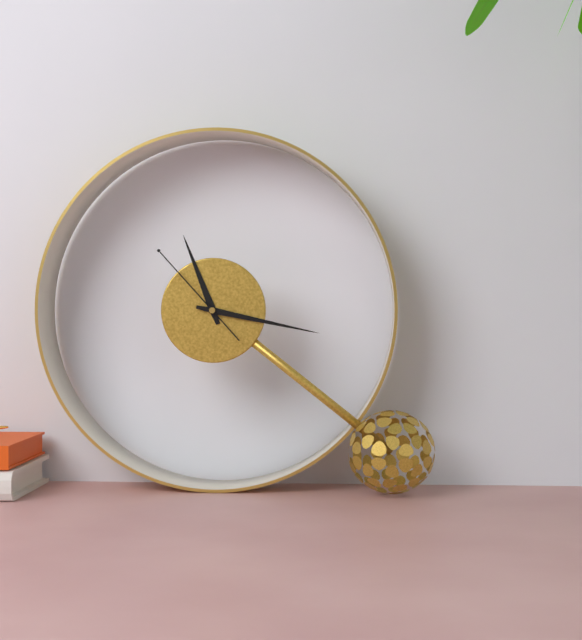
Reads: 11.17.53
